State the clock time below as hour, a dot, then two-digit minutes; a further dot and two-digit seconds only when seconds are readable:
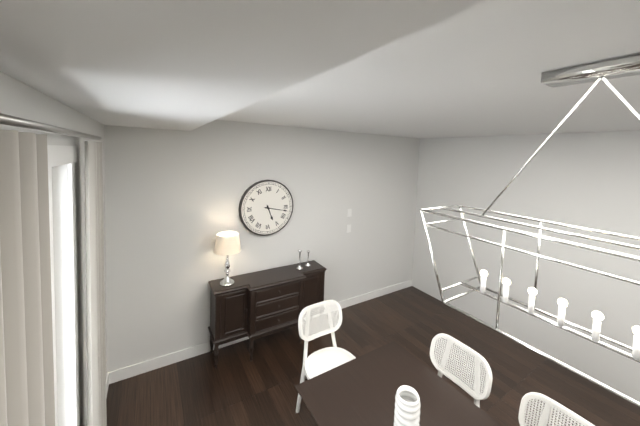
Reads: 5.17
